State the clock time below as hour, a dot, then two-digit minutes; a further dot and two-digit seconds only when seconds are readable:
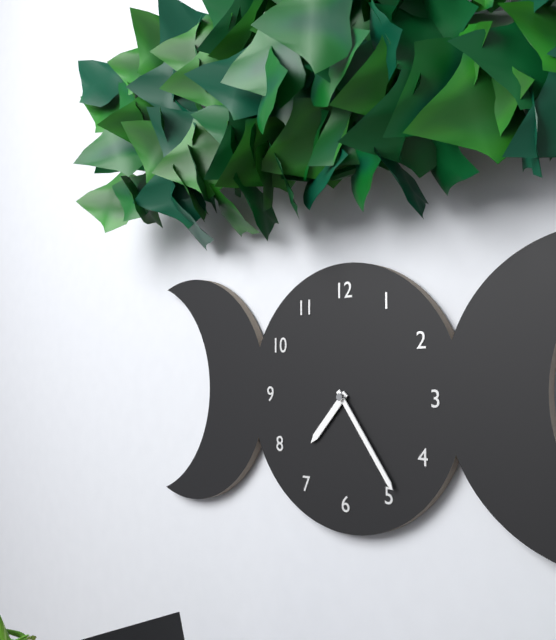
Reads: 7.24
